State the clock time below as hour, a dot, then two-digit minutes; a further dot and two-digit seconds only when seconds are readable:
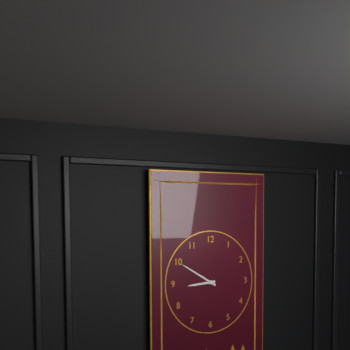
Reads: 8.50
